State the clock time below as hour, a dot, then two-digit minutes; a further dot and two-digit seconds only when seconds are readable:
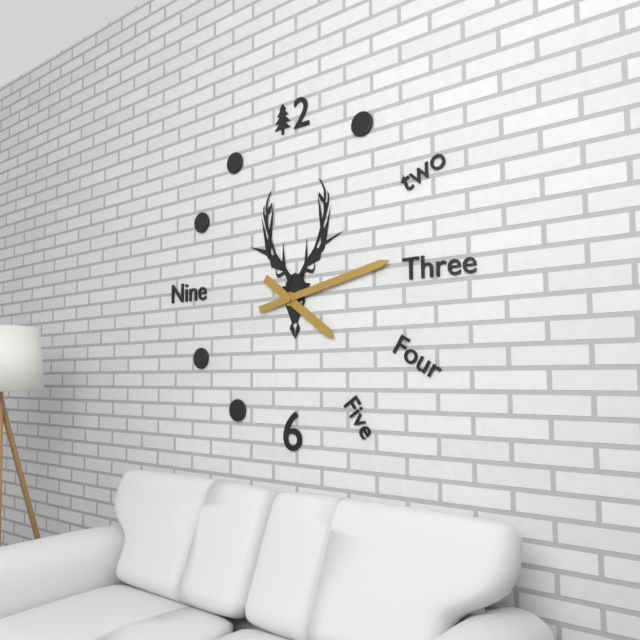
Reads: 4.13
